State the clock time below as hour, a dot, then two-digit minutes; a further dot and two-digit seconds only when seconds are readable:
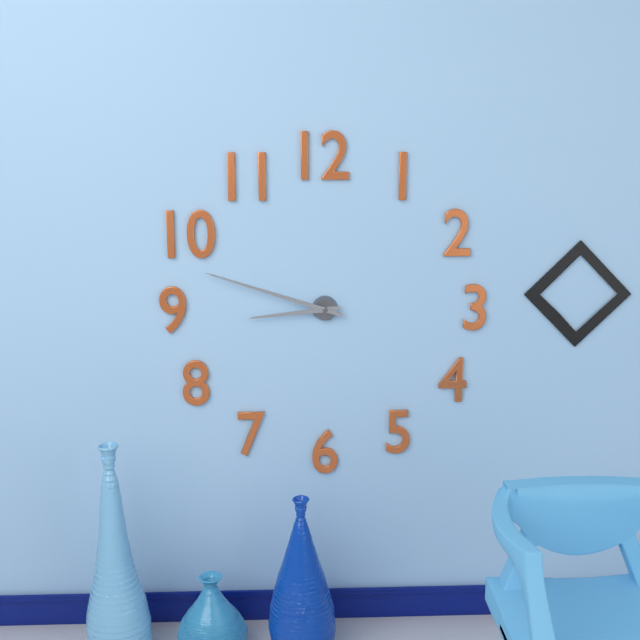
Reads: 8.48
